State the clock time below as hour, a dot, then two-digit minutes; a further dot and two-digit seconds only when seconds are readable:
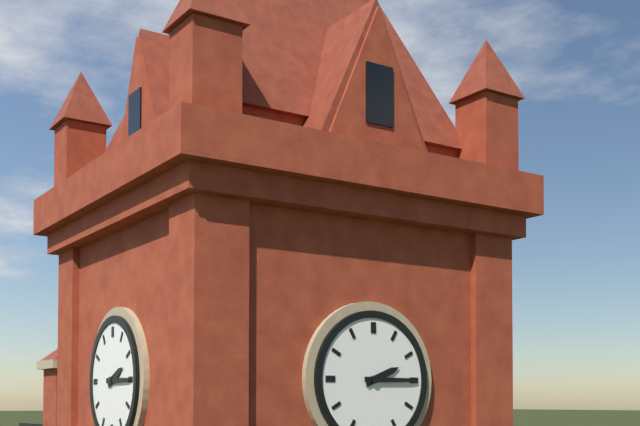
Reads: 2.15
